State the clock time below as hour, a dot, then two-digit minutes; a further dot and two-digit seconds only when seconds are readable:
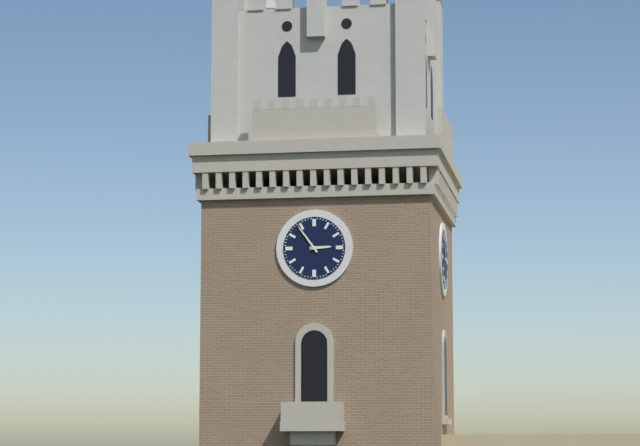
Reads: 2.54
